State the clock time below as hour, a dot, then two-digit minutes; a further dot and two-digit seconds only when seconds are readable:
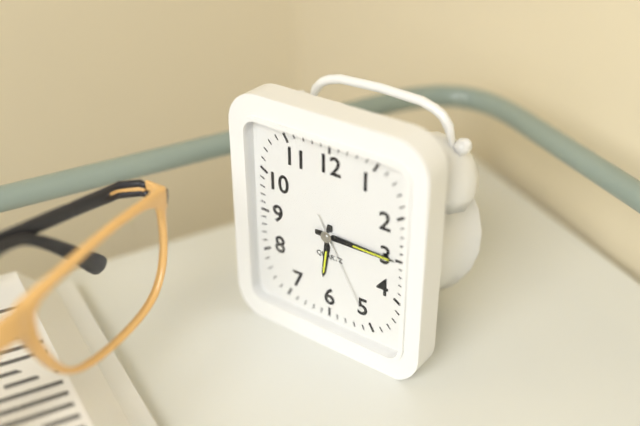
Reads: 6.15.25
